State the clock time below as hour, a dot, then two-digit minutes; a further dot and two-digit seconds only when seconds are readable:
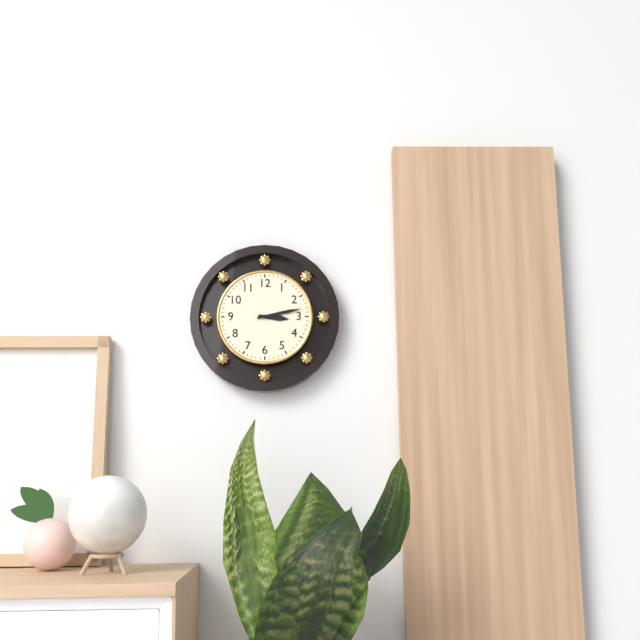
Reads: 3.13
